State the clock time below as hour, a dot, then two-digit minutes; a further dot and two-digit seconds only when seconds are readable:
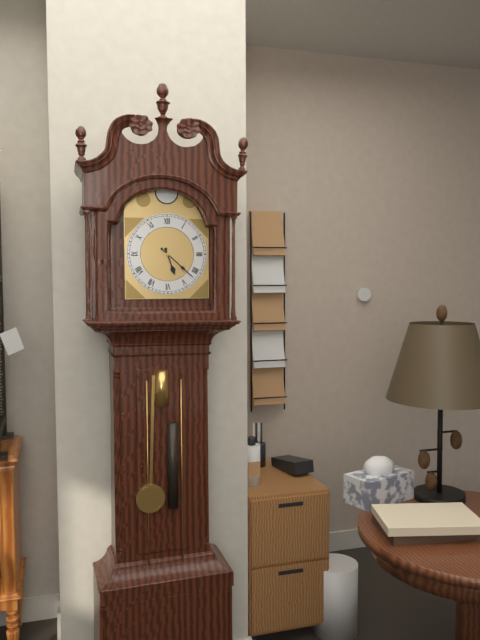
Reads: 5.22
